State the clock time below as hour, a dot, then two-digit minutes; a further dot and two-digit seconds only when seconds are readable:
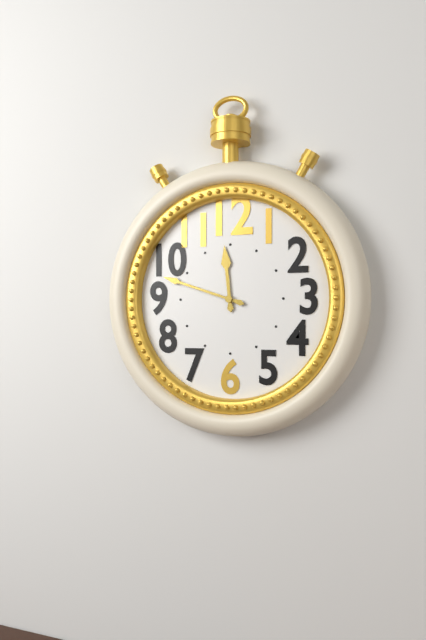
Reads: 11.48
